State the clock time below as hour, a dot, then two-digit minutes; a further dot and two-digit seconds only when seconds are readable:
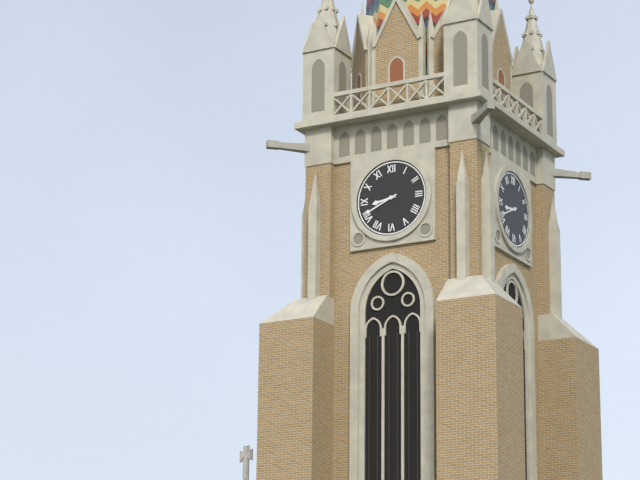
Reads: 8.41
